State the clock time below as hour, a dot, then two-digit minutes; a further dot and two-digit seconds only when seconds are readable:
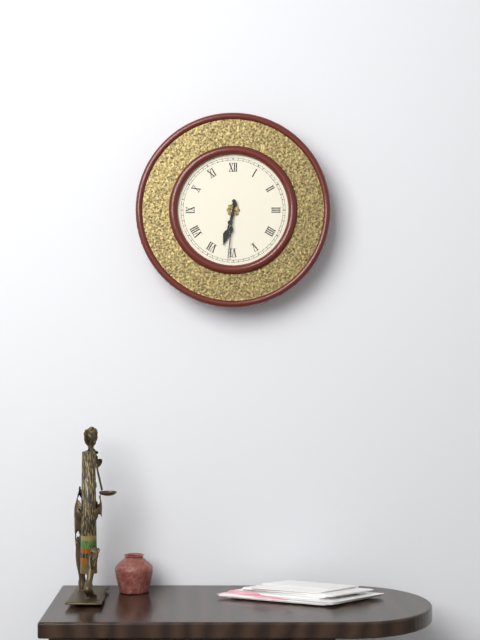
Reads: 6.31
